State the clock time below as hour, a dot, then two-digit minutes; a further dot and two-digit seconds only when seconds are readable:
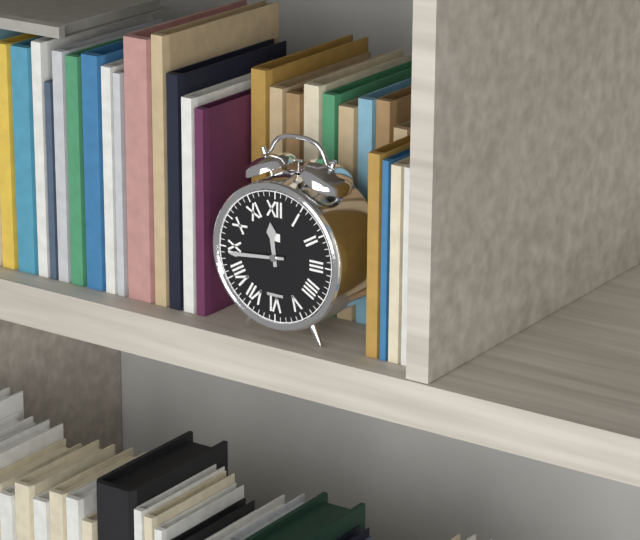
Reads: 11.44
